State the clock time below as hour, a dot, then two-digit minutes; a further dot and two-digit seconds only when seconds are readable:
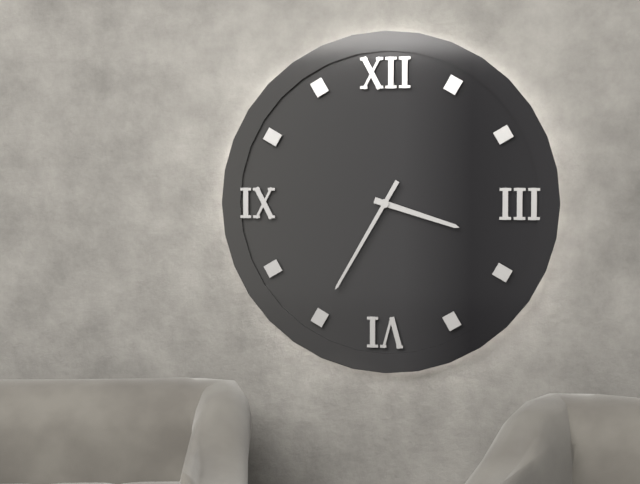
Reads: 3.35
